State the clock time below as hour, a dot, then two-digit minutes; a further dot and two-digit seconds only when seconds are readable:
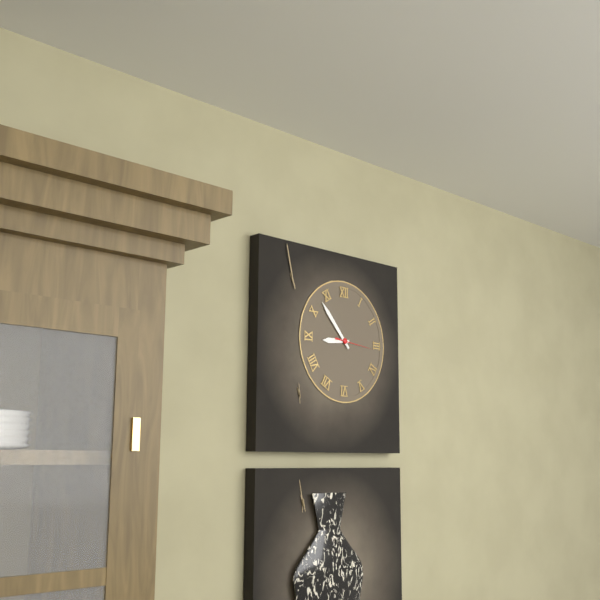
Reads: 8.53
